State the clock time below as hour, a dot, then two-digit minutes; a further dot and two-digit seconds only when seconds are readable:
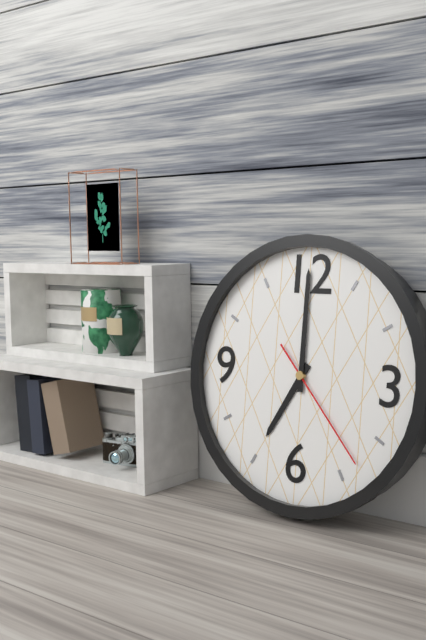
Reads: 7.00.23
